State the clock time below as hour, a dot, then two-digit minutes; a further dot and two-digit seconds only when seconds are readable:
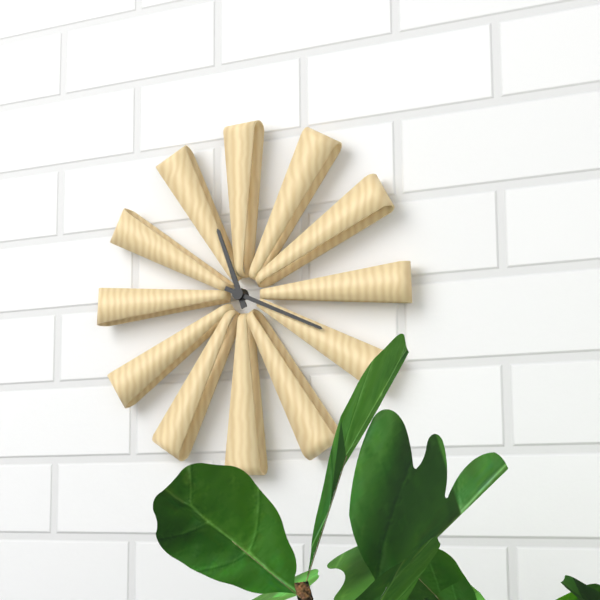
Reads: 11.19
